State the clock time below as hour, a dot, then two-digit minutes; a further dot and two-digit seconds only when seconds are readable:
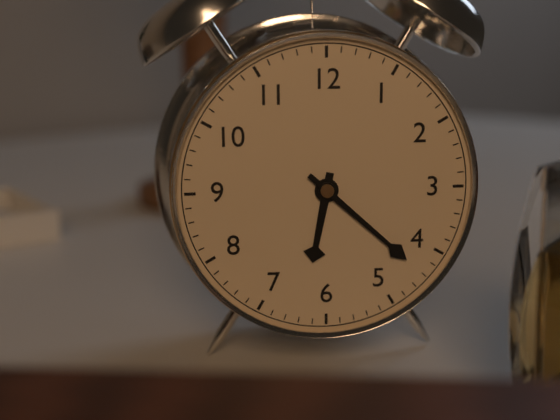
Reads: 6.22
